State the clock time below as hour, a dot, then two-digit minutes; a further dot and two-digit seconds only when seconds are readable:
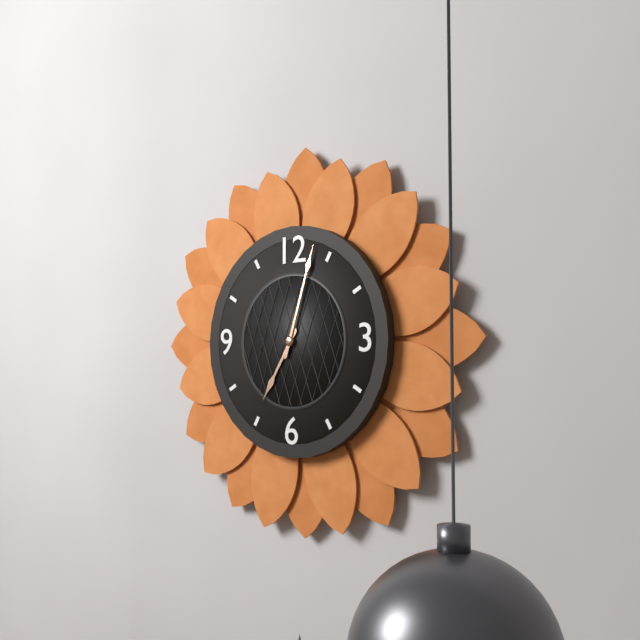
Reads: 7.03
